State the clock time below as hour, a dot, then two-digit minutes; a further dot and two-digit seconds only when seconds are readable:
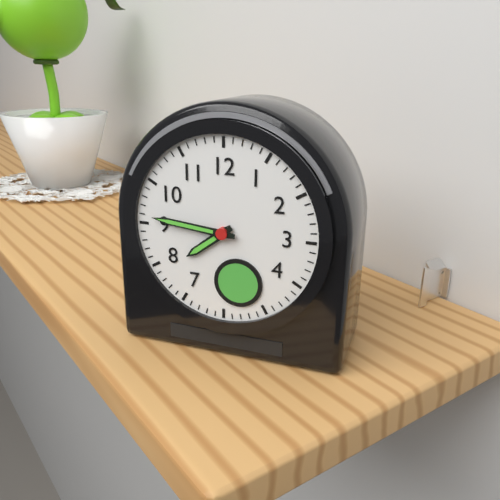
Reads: 7.46
